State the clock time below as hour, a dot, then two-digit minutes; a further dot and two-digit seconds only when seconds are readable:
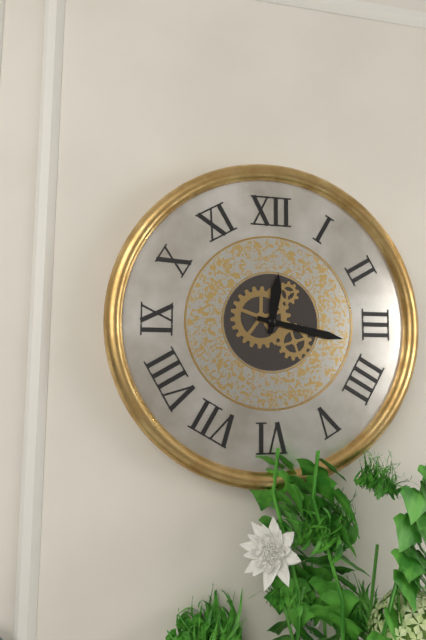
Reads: 12.17
